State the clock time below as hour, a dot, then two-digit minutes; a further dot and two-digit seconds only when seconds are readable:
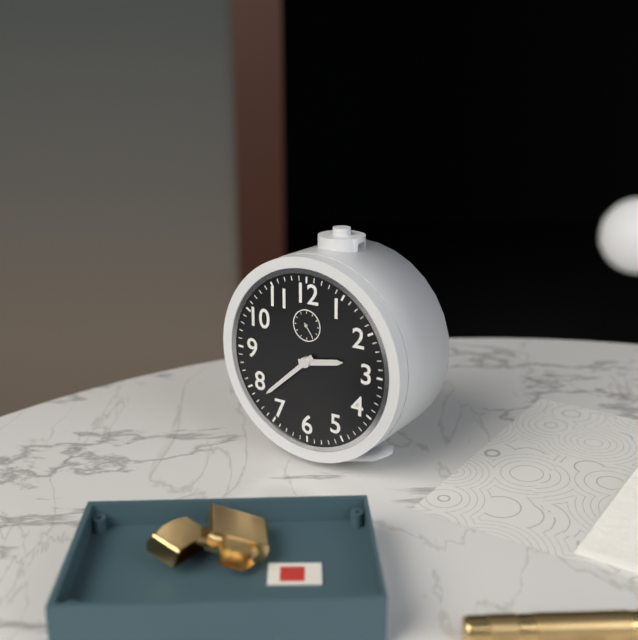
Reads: 2.38
